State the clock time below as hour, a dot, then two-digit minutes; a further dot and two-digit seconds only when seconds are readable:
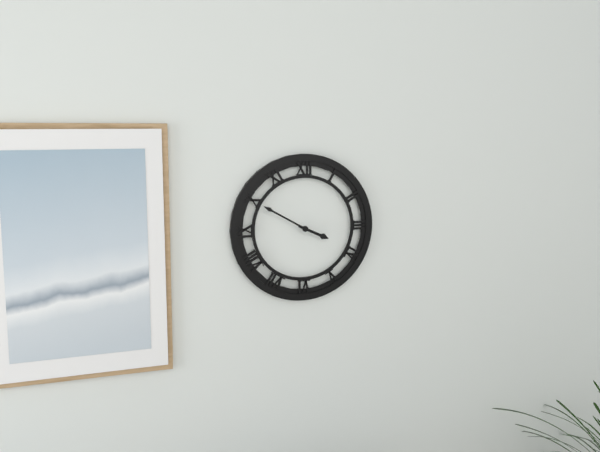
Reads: 3.50
